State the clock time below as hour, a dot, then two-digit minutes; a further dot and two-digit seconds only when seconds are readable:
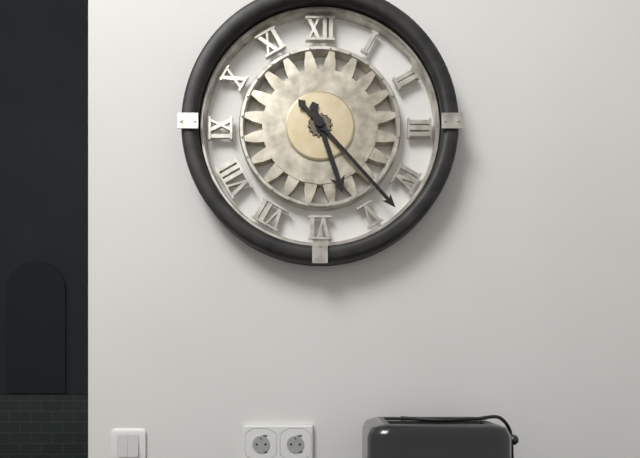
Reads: 5.23
